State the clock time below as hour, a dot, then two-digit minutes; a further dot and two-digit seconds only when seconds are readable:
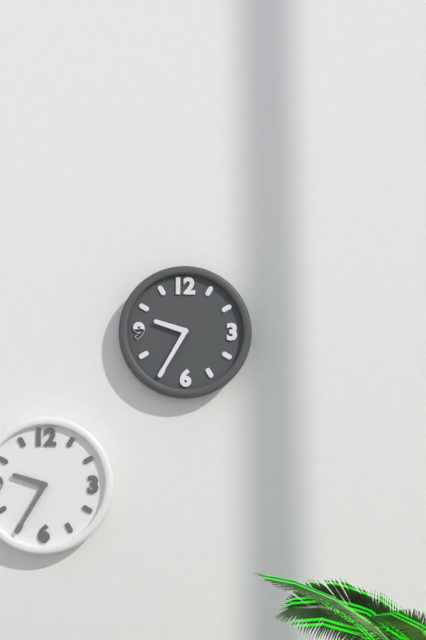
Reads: 9.35
